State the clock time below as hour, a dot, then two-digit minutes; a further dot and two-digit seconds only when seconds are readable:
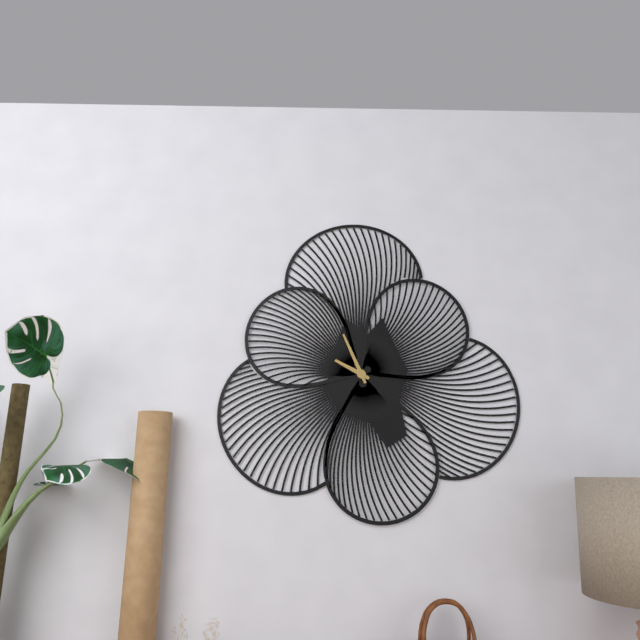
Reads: 9.56
